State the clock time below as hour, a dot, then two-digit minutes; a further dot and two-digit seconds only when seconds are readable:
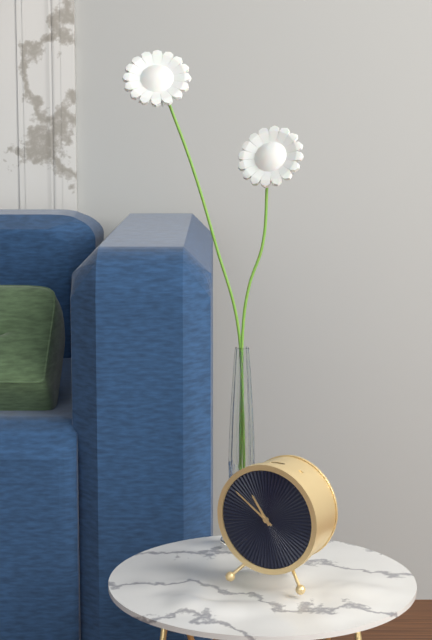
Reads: 10.51
